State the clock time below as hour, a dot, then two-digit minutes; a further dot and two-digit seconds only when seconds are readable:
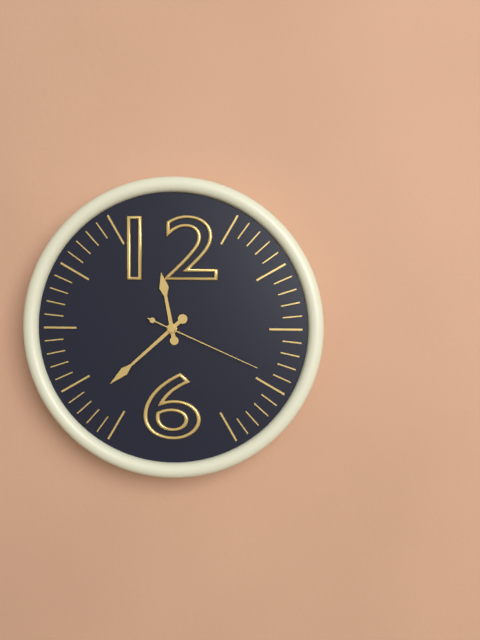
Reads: 11.38.19
